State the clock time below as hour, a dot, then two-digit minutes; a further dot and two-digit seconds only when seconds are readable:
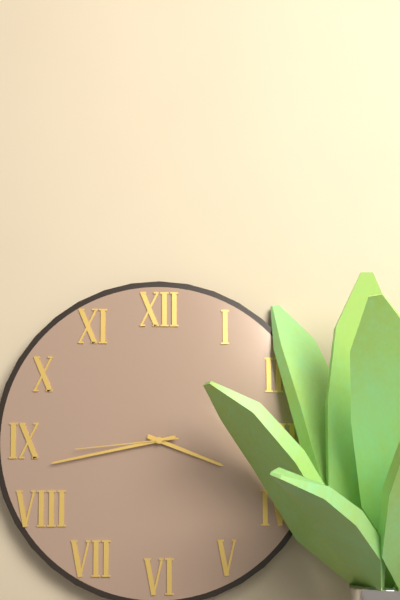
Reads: 3.43.44
